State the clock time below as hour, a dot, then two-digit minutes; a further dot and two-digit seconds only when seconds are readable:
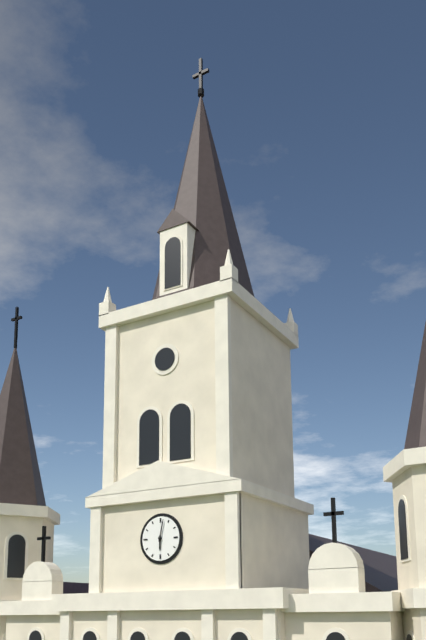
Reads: 6.02
